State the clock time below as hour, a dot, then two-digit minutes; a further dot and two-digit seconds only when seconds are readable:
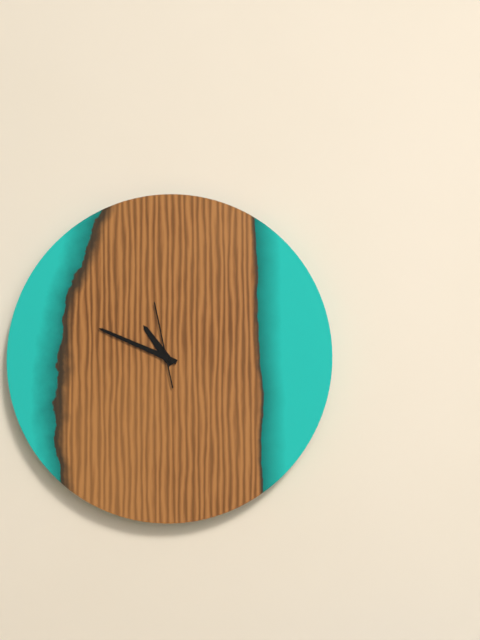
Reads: 10.49.58
